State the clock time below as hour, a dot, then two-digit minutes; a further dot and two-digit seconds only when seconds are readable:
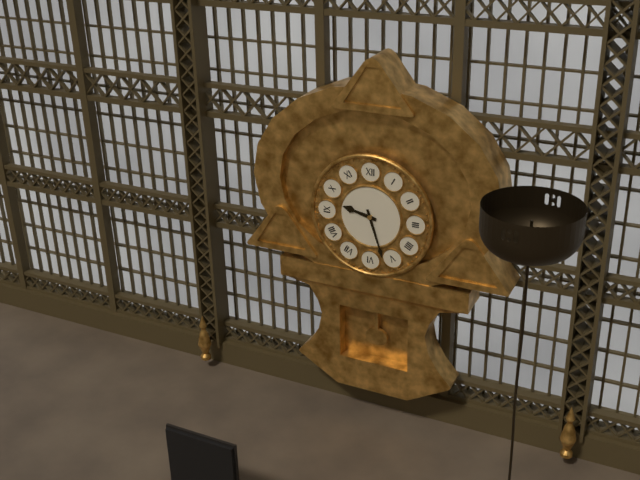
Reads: 9.27
